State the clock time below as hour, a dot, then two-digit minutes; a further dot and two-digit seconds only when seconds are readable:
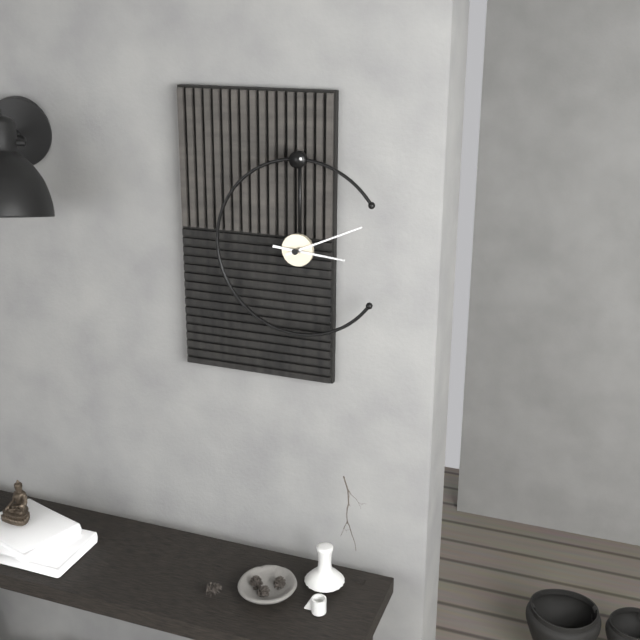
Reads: 3.11
